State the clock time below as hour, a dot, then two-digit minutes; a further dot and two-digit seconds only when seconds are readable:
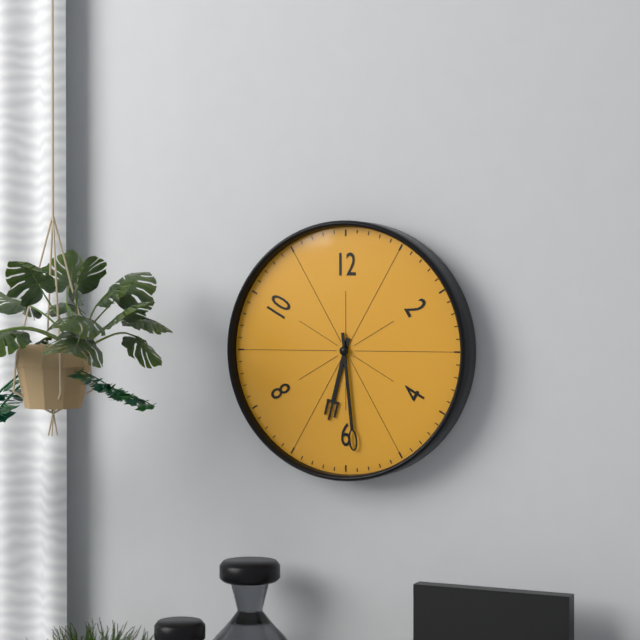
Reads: 6.29
